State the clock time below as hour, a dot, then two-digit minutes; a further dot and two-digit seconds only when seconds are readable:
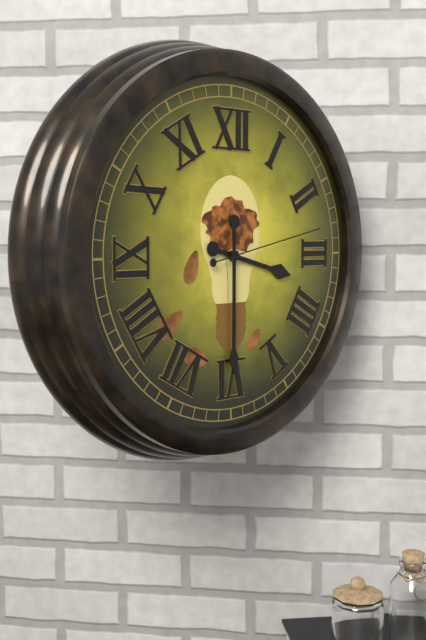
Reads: 3.30.13
